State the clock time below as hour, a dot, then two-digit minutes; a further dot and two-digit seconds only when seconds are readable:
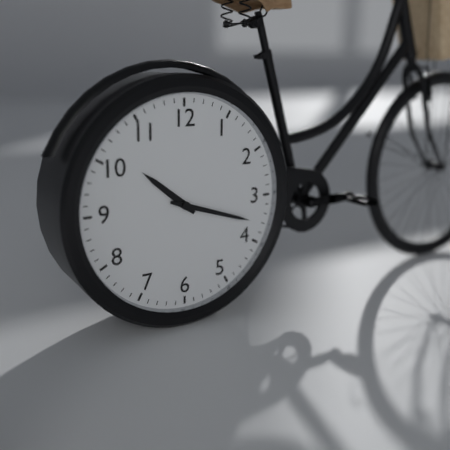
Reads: 10.18
